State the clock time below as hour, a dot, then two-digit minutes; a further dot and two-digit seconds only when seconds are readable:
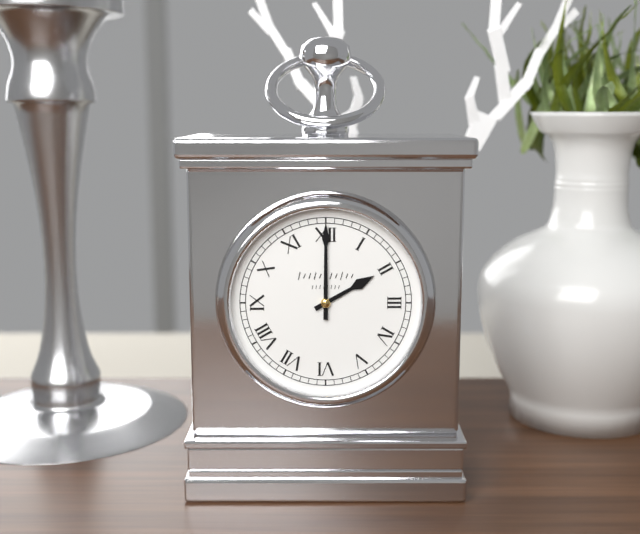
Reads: 2.00
